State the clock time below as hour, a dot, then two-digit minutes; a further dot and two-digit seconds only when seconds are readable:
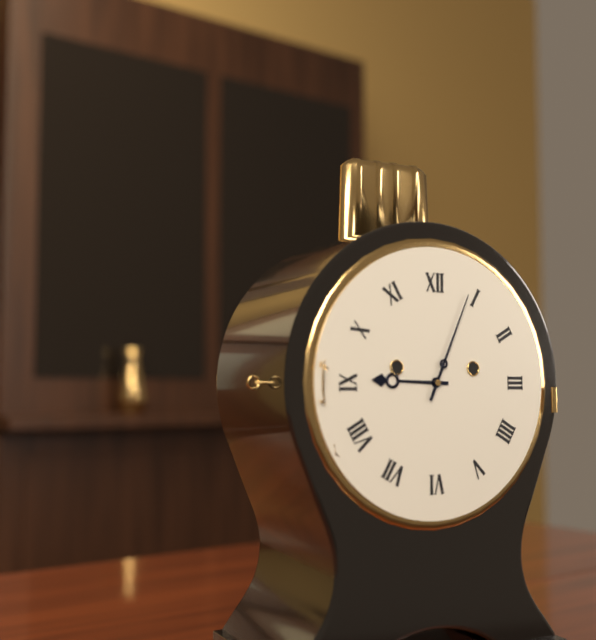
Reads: 9.04
